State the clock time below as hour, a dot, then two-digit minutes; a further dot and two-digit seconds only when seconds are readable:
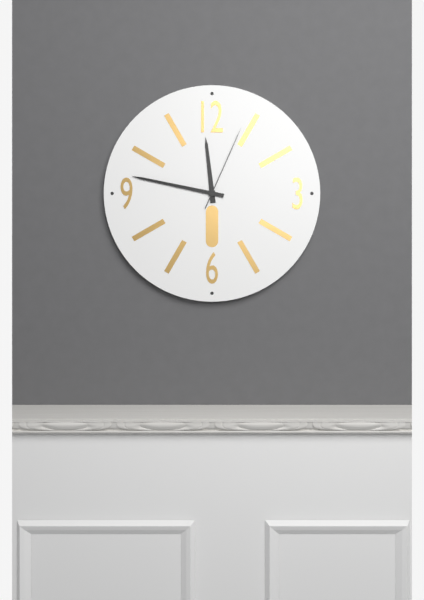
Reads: 11.47.04
